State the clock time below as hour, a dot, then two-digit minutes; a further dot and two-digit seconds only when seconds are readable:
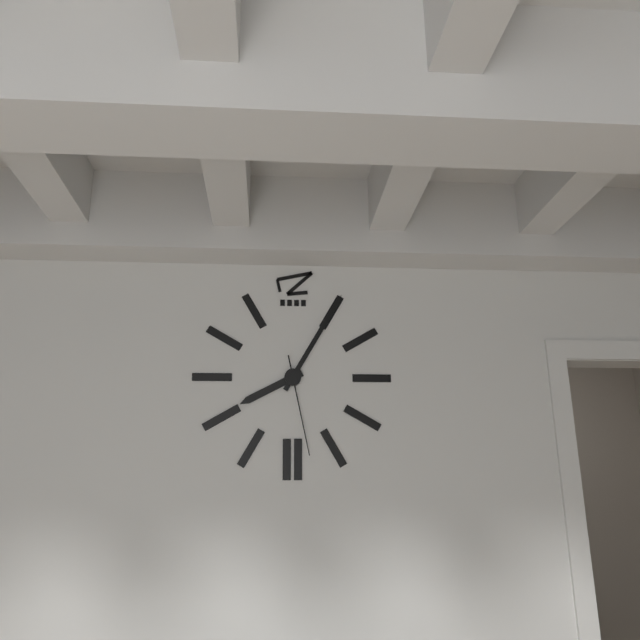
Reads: 8.05.28
